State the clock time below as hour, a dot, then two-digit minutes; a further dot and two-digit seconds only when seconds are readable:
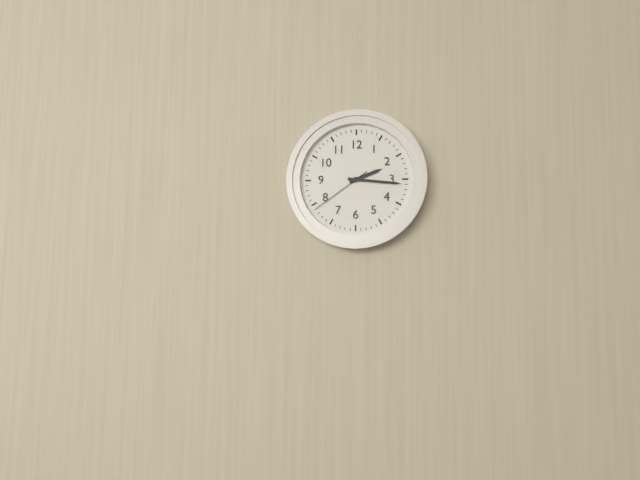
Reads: 2.16.39
